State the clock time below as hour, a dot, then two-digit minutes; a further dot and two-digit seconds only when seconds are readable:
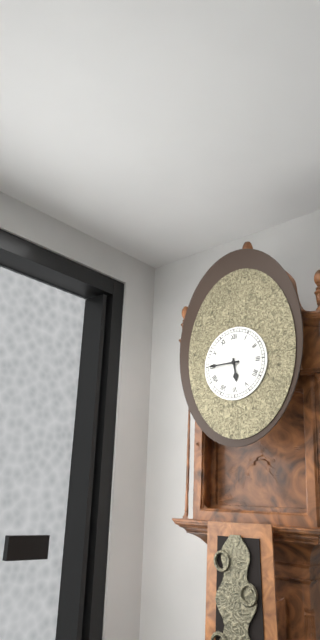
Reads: 5.45
